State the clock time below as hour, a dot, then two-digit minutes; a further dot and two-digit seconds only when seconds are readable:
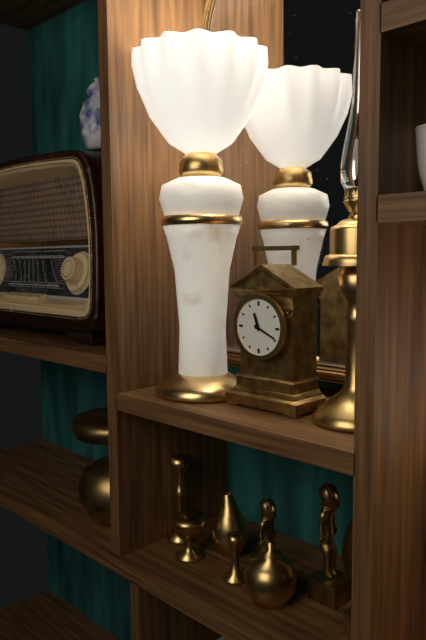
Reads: 11.19
